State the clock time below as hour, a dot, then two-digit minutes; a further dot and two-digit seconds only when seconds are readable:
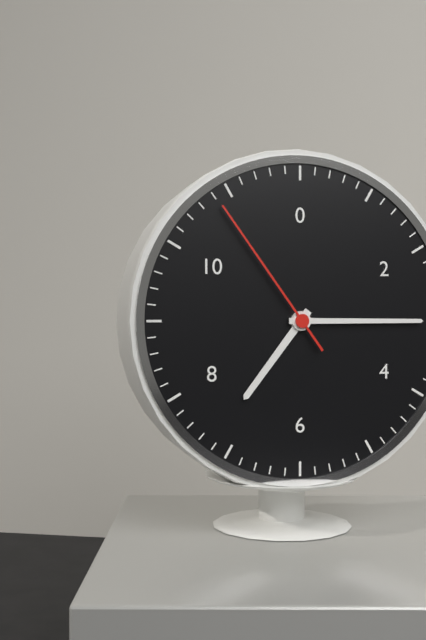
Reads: 7.15.54
